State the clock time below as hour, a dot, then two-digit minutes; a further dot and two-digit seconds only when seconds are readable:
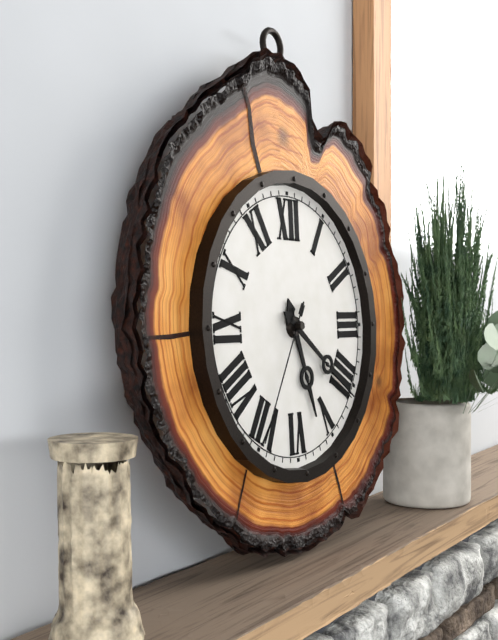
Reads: 5.21.35
